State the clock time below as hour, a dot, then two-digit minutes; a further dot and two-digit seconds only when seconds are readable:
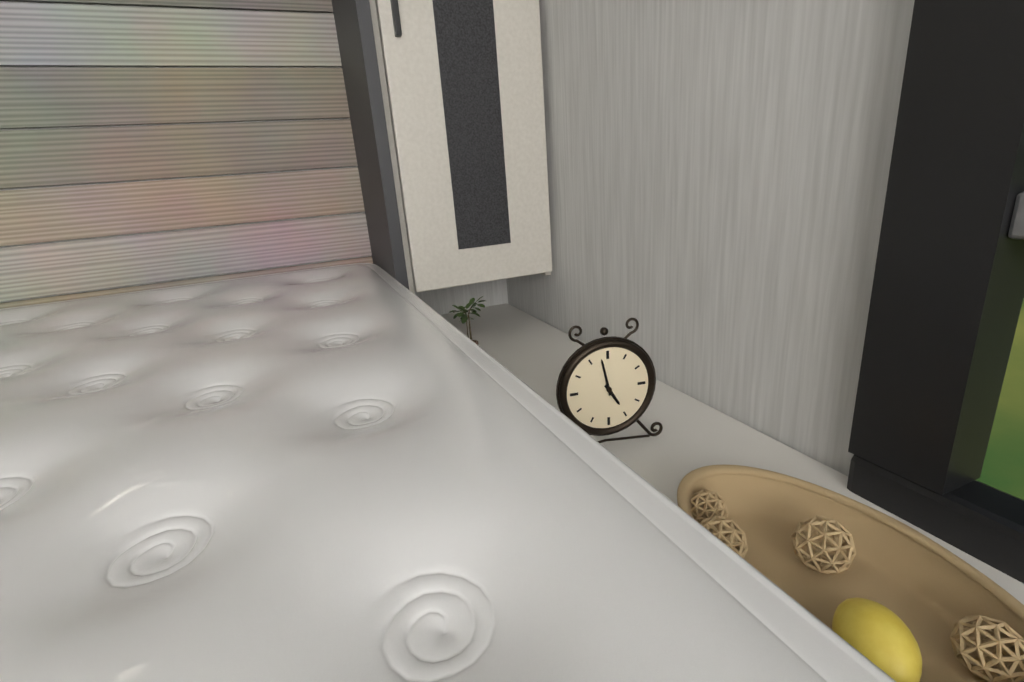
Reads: 4.58
